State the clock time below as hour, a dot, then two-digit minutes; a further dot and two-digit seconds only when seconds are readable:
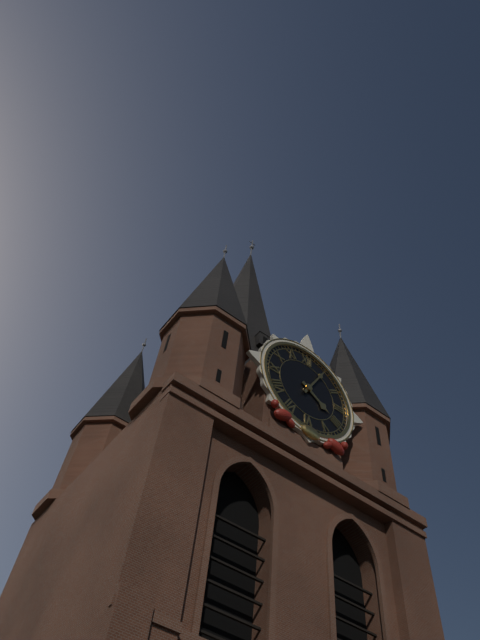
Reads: 4.05
